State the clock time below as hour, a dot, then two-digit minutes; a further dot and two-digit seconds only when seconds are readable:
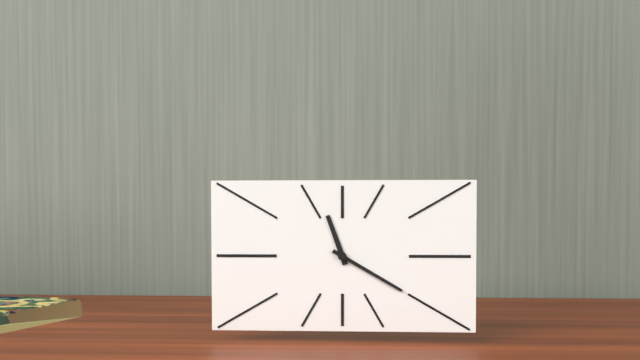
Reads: 11.20
